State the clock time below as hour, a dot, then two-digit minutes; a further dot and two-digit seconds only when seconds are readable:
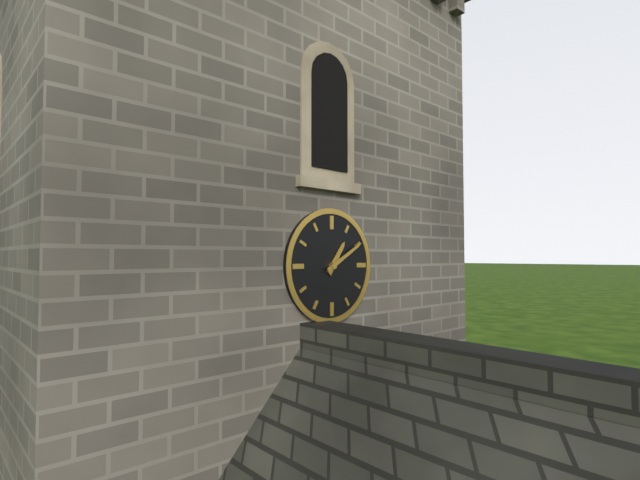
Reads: 1.10
